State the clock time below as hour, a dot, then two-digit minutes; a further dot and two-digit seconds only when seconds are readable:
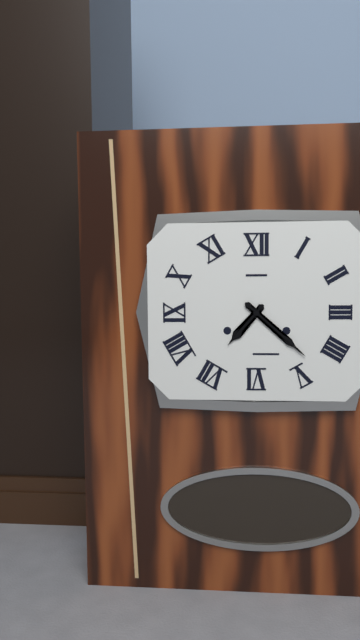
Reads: 7.22
